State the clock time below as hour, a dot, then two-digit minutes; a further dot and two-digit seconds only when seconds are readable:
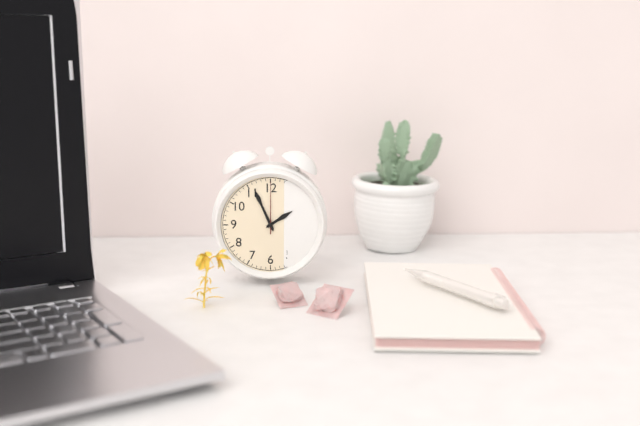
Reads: 1.56.00
